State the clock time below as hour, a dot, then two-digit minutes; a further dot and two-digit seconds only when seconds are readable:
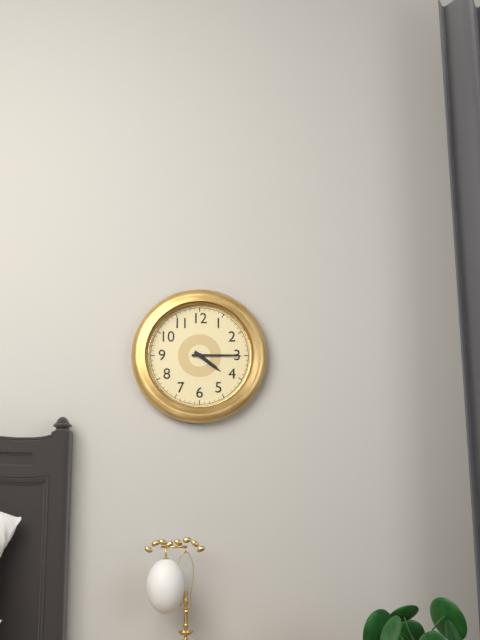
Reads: 4.15
